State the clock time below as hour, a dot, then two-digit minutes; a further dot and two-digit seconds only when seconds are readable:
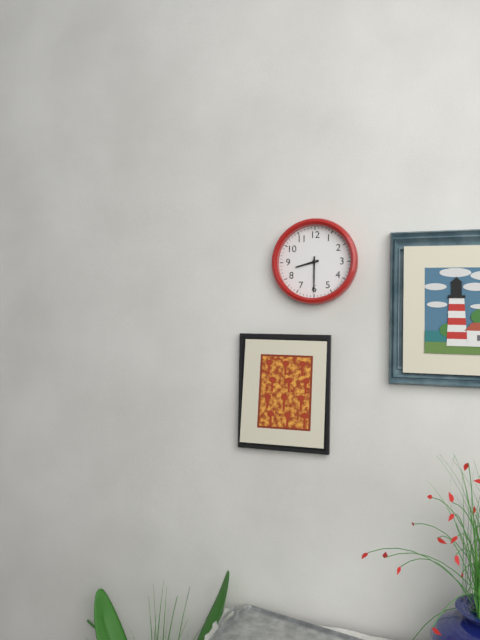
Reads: 8.30
